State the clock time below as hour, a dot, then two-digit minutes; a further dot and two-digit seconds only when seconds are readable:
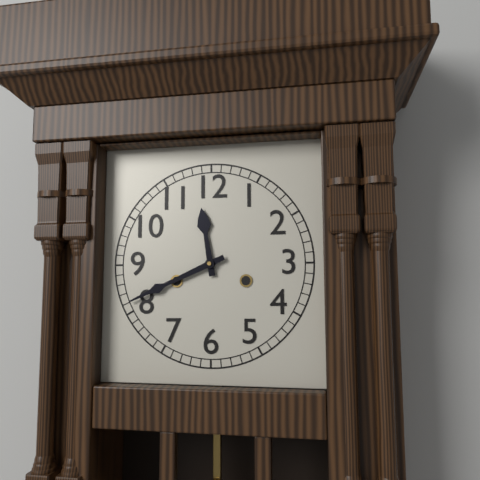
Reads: 11.41
